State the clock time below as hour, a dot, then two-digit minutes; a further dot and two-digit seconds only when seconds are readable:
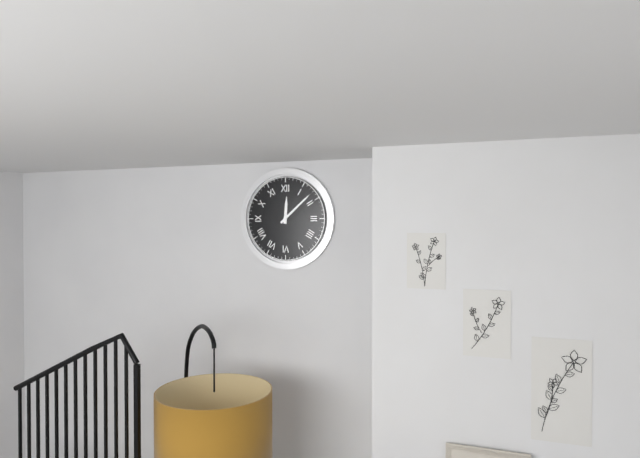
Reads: 12.08
